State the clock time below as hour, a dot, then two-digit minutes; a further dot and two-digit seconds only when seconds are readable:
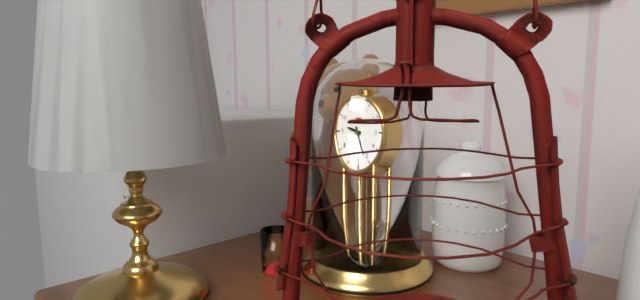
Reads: 9.26
